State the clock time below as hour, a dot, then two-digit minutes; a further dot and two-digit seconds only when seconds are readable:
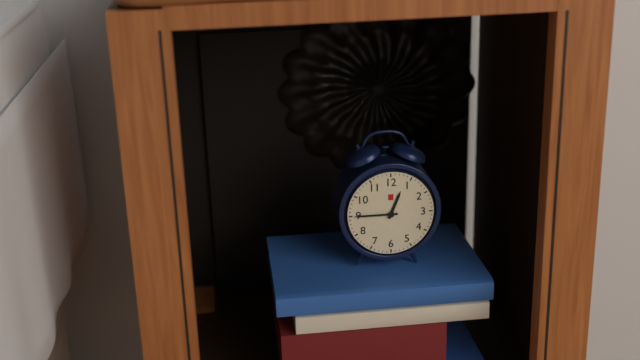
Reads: 12.45
